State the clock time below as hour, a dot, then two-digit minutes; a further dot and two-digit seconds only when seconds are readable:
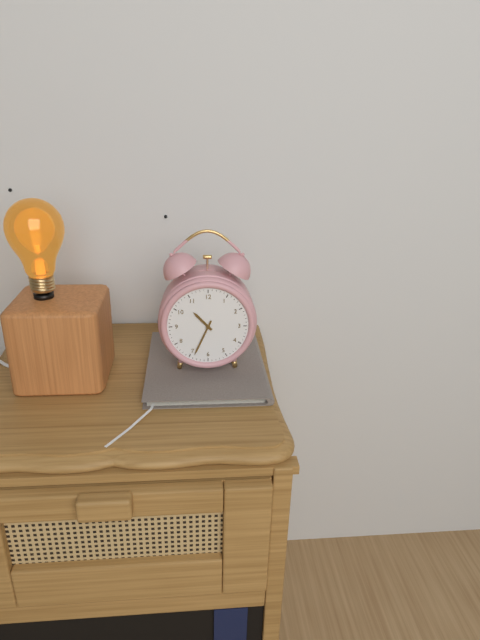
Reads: 10.34
